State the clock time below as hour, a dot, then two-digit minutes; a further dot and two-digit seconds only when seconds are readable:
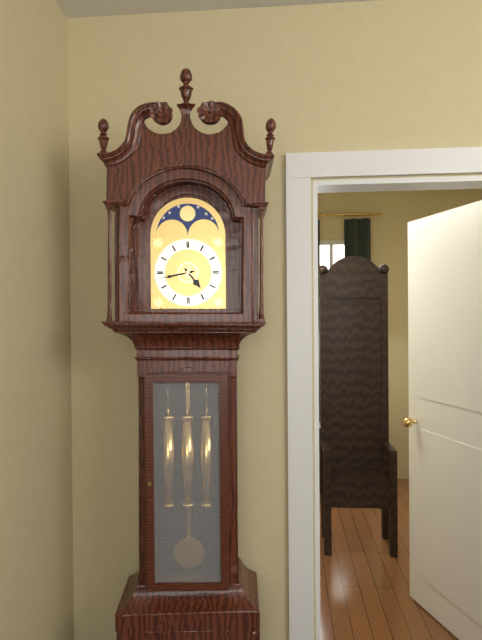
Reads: 4.43
